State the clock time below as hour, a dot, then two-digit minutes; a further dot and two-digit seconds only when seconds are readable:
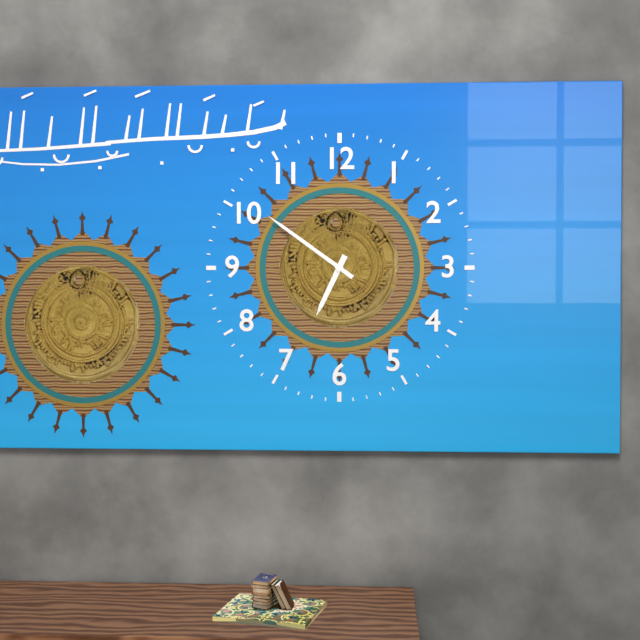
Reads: 6.51
